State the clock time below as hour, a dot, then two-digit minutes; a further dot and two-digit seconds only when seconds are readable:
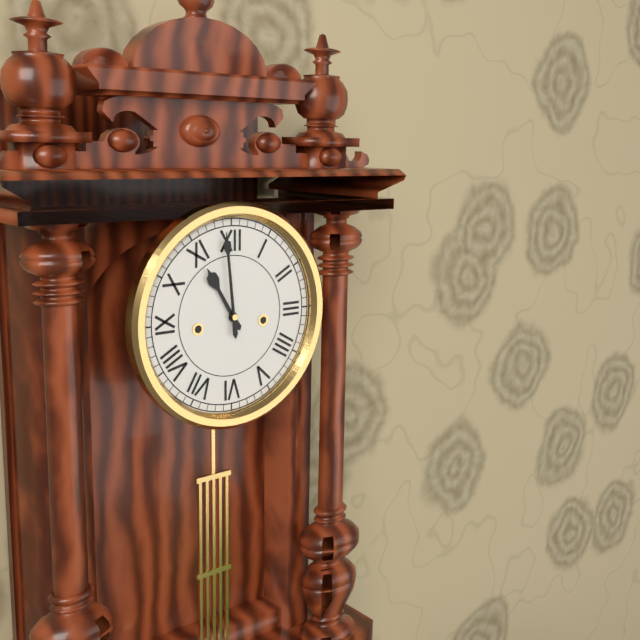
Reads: 10.59
